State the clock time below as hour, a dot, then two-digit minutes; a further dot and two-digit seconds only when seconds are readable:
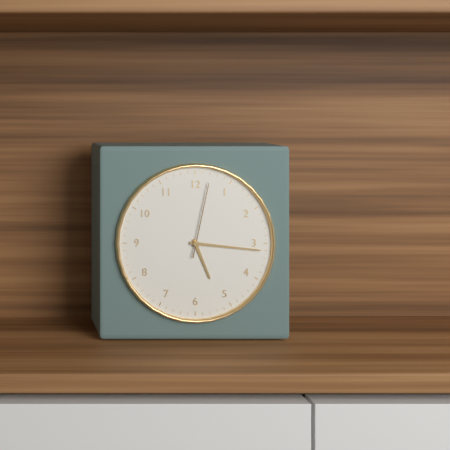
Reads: 5.16.02
